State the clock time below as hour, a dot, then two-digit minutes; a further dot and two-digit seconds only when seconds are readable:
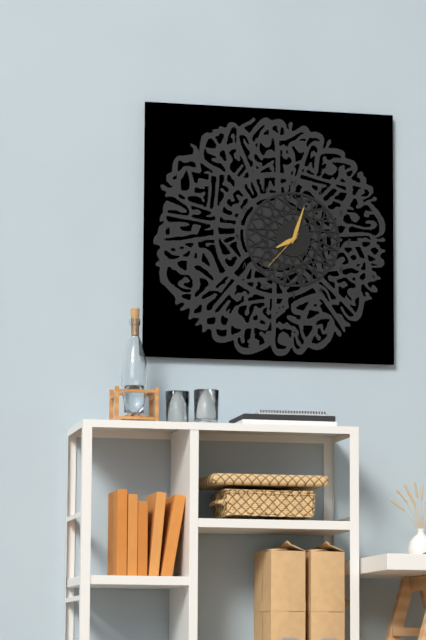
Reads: 8.03
